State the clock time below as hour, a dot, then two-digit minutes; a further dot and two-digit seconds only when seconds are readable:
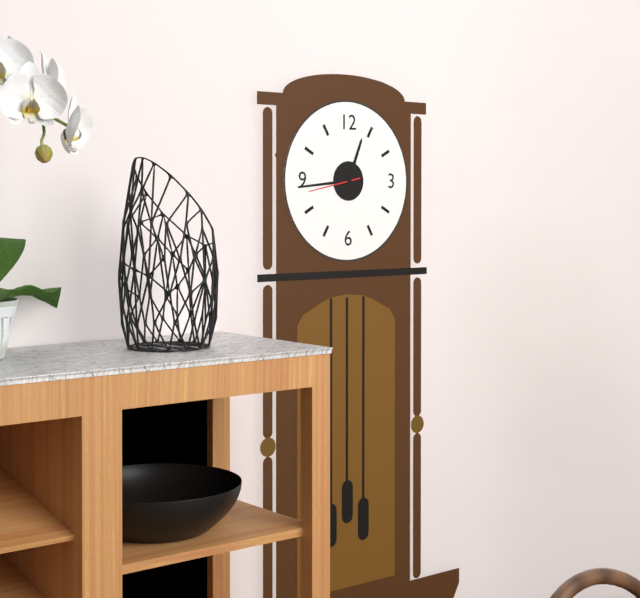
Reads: 12.44.43
